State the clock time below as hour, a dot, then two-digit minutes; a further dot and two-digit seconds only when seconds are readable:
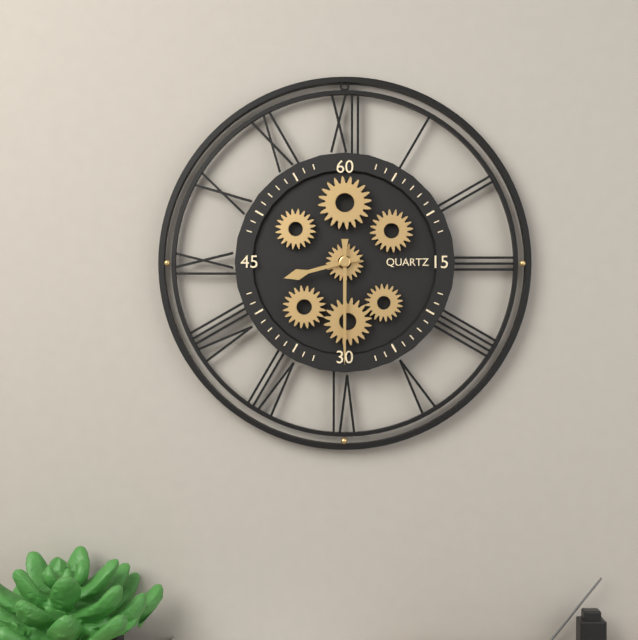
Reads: 8.30
